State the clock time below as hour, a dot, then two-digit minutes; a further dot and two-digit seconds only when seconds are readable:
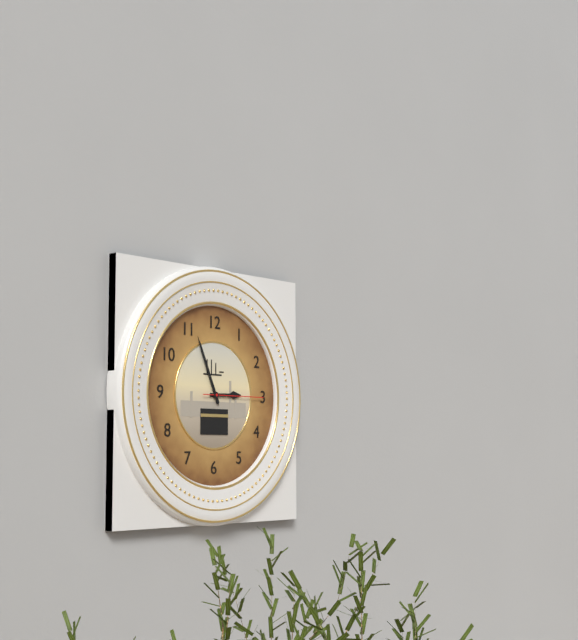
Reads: 2.56.15
